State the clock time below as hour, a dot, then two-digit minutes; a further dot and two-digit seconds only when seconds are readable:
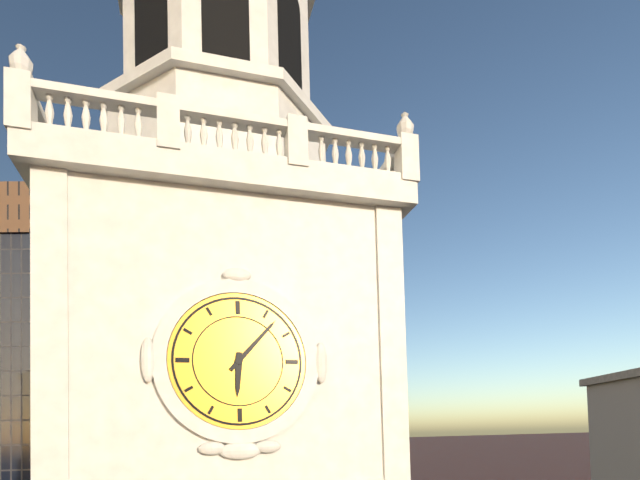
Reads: 6.07
